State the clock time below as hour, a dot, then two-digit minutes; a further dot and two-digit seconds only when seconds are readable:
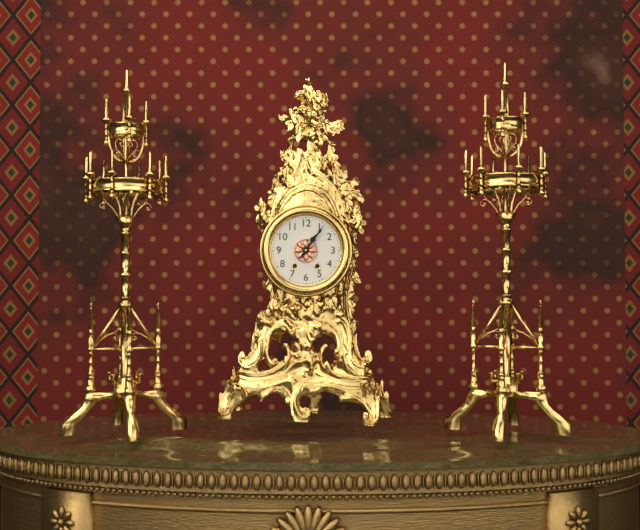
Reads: 1.06
